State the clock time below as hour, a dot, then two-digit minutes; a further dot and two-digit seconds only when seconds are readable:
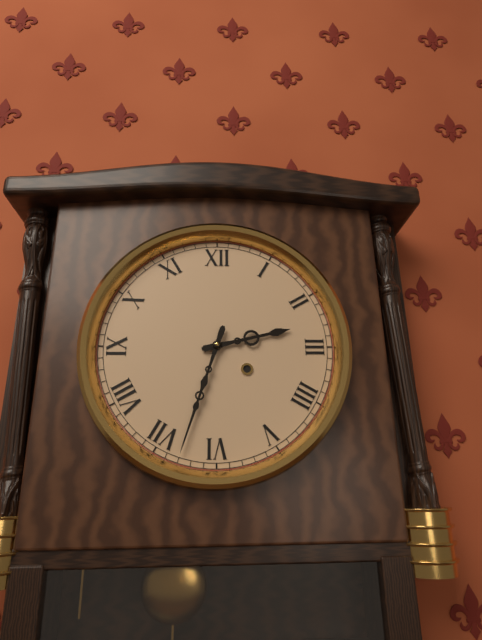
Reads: 2.33
